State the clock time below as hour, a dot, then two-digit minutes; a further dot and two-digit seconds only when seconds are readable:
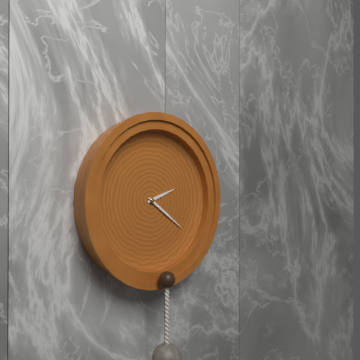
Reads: 2.21
